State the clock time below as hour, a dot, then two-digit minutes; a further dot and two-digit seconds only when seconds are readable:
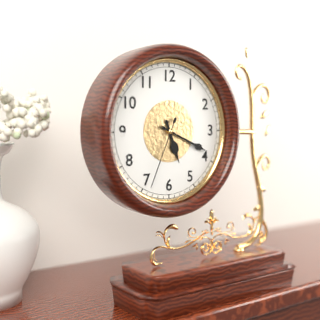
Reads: 5.19.34
